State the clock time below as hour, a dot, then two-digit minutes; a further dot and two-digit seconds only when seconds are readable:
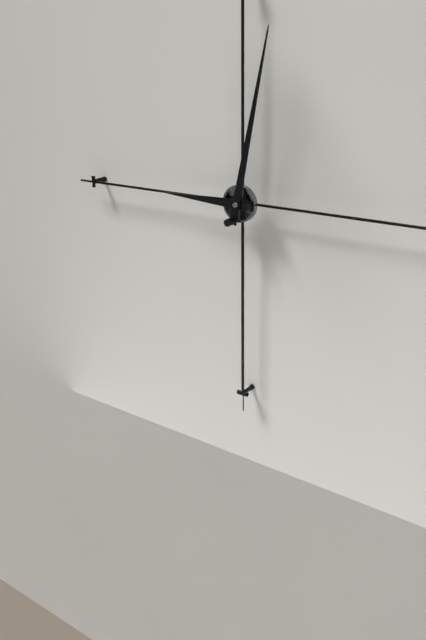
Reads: 9.02
